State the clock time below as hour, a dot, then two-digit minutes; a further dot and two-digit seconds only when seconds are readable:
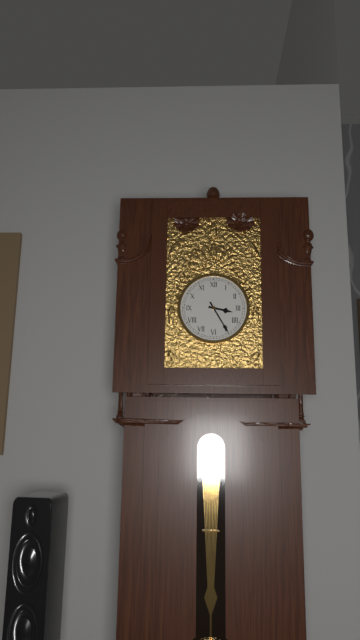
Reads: 3.25
